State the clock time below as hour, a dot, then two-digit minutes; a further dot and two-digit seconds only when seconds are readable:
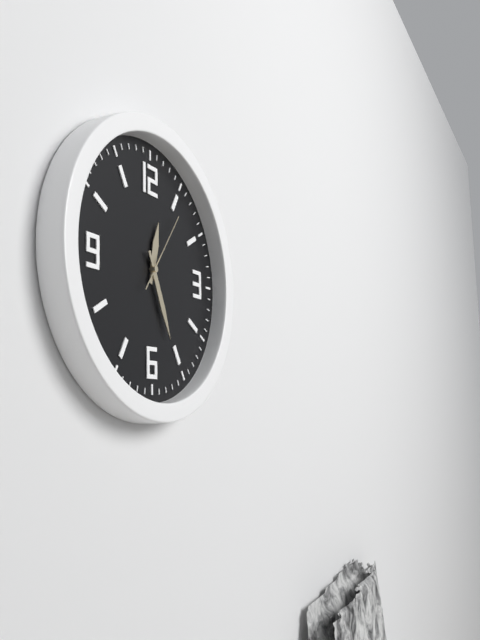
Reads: 12.26.06
